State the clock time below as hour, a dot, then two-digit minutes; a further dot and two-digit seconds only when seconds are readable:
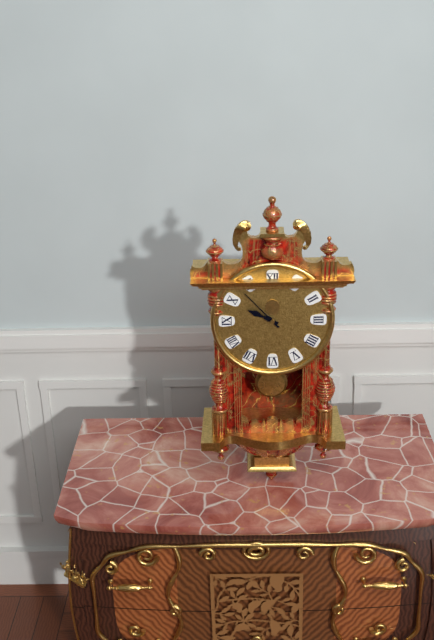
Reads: 9.53
